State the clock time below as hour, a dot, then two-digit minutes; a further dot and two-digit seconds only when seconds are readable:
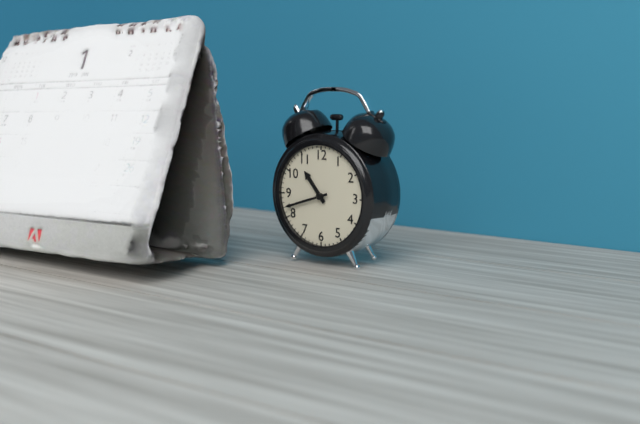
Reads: 10.42
